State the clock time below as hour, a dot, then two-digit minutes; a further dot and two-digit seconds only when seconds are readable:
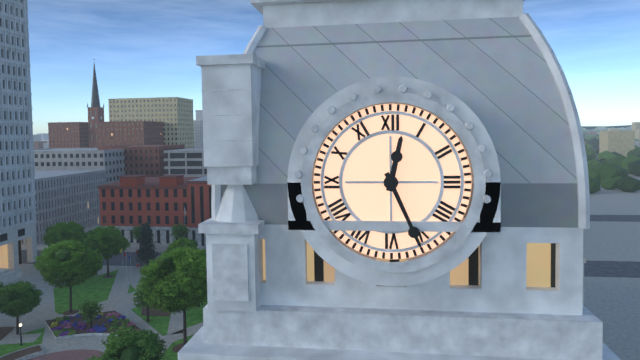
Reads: 12.26
